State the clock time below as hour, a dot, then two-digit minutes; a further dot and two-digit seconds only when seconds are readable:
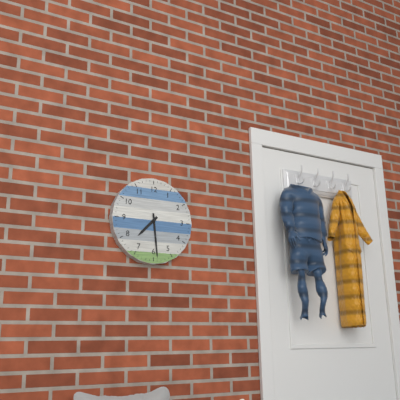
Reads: 7.29
